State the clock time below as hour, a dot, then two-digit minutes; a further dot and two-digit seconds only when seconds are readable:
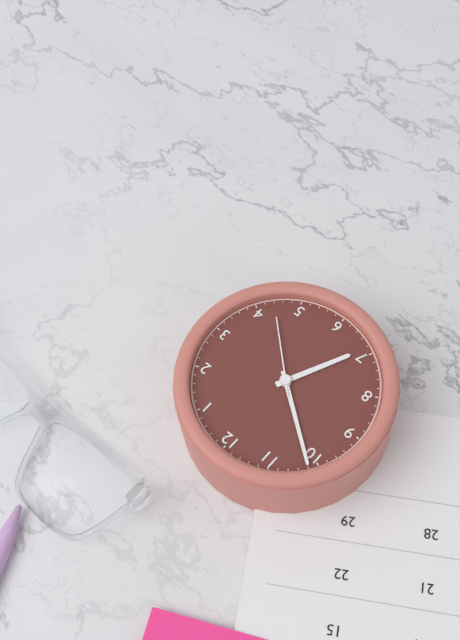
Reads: 6.51.22
